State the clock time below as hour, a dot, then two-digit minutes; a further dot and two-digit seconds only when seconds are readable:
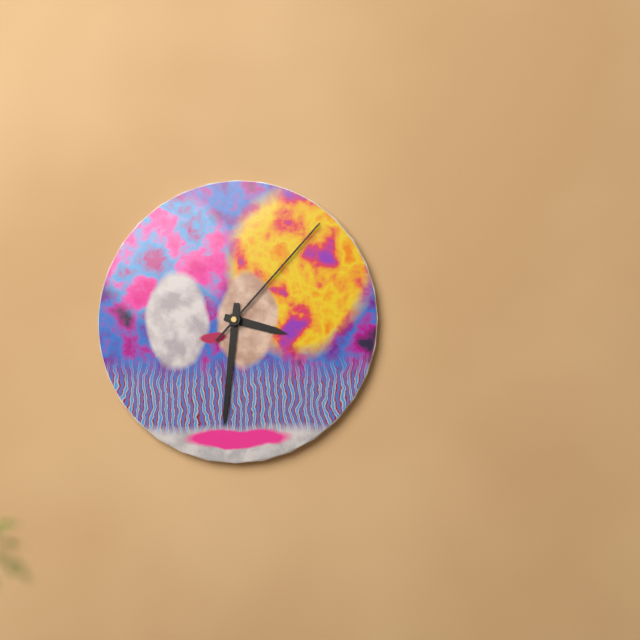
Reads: 3.31.07
